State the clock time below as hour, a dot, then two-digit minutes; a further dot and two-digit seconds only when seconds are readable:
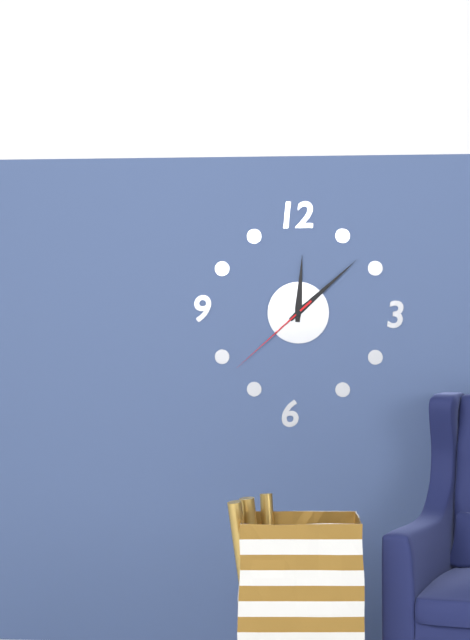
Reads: 12.08.38
